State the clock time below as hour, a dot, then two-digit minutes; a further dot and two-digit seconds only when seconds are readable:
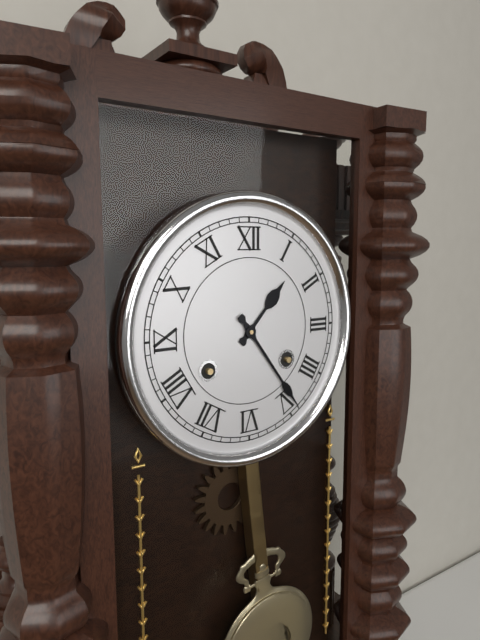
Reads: 1.24
